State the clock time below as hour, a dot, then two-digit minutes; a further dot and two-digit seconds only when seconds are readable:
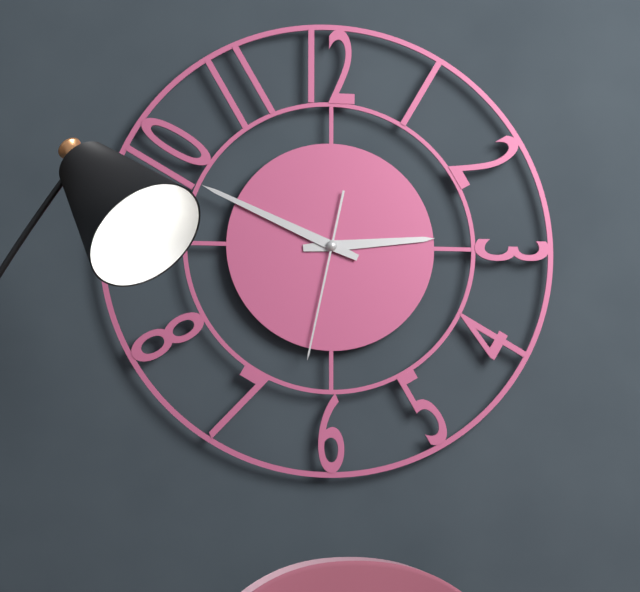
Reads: 2.49.32
